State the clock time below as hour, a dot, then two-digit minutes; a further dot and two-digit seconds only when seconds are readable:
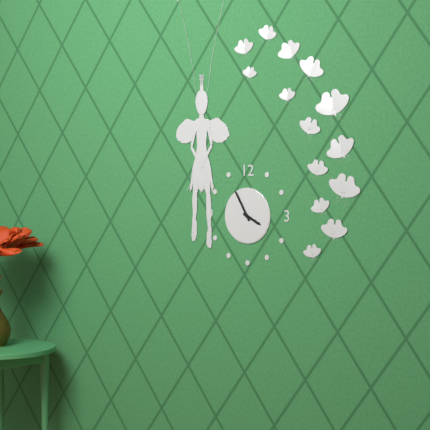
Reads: 3.55
